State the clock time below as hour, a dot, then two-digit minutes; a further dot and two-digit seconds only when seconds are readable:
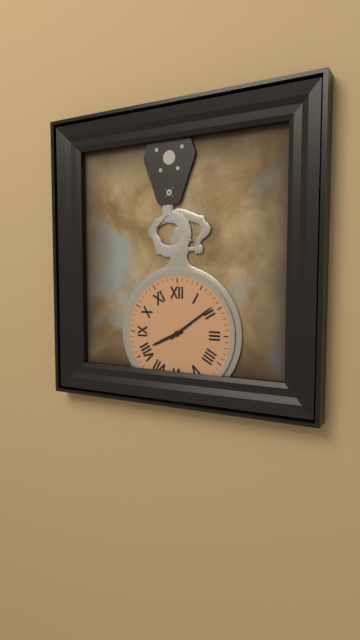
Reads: 8.09
